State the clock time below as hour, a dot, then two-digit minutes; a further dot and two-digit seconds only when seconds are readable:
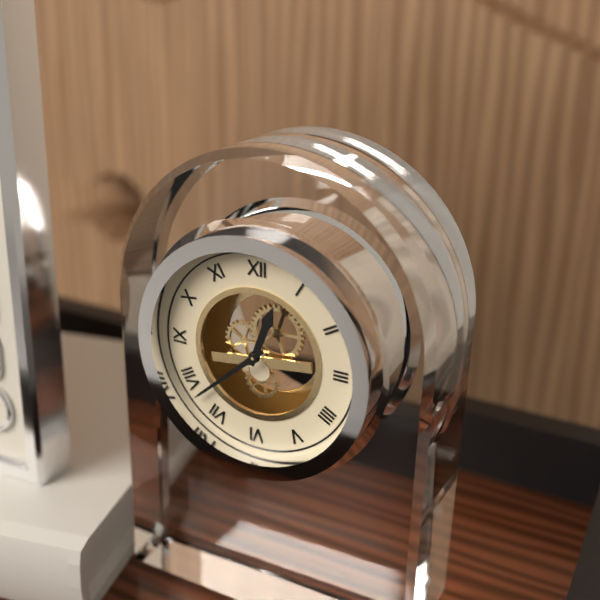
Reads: 12.38
